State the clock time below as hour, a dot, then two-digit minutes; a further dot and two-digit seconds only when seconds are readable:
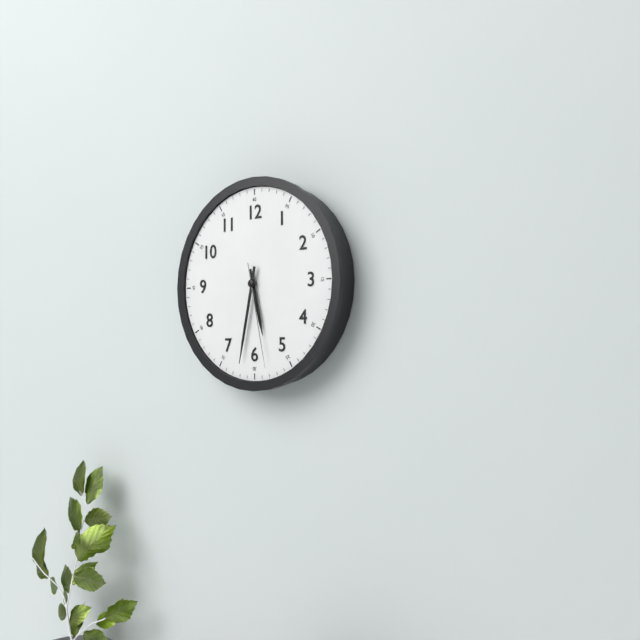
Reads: 5.32.28
